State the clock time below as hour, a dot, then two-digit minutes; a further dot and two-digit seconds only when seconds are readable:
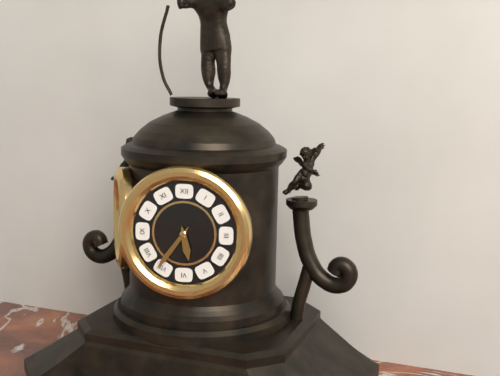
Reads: 5.36
